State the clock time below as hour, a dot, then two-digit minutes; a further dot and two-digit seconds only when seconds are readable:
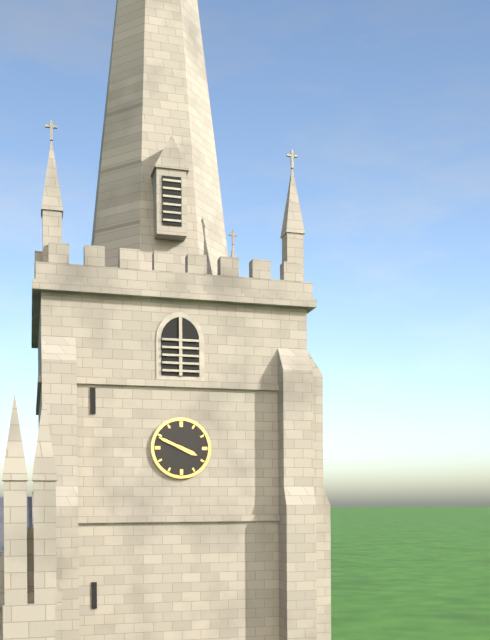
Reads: 3.49
